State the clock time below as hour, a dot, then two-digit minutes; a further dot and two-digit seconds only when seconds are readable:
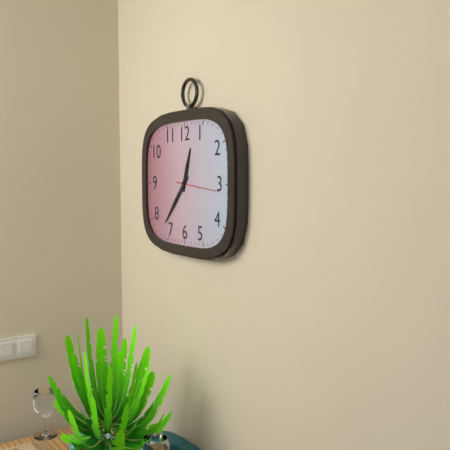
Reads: 12.37
